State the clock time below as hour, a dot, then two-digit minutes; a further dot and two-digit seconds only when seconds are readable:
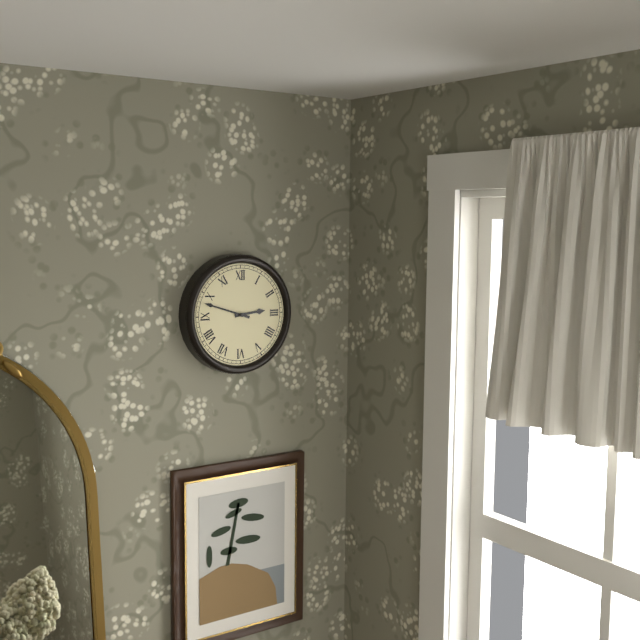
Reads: 2.48
